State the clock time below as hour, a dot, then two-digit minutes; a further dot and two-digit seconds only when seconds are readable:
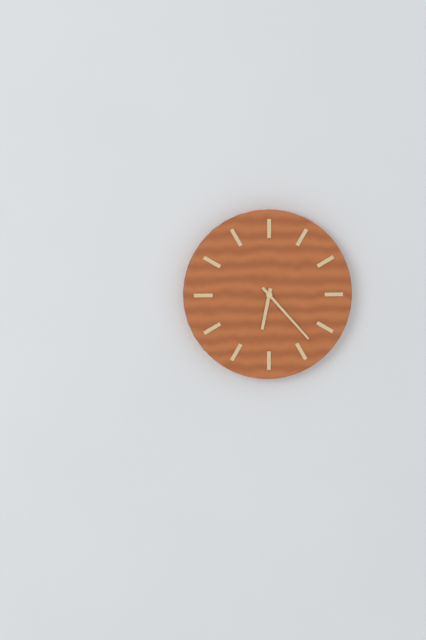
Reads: 6.23
